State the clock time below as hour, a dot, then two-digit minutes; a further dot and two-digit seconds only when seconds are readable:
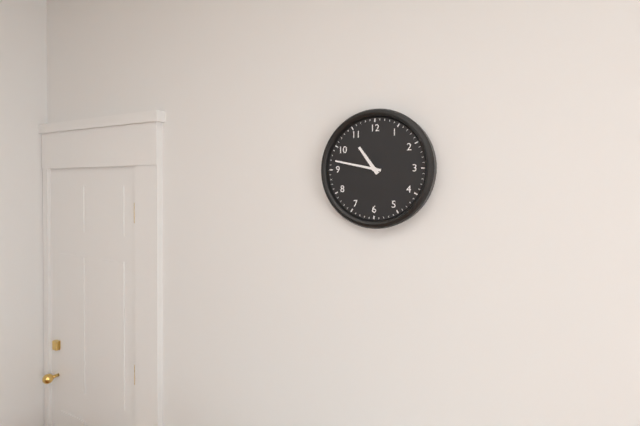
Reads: 10.47
